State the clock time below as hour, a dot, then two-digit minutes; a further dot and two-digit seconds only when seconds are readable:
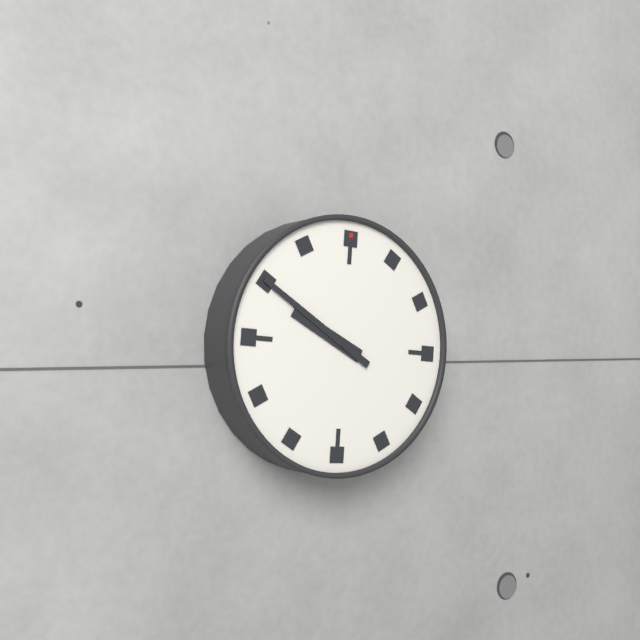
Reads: 9.50
